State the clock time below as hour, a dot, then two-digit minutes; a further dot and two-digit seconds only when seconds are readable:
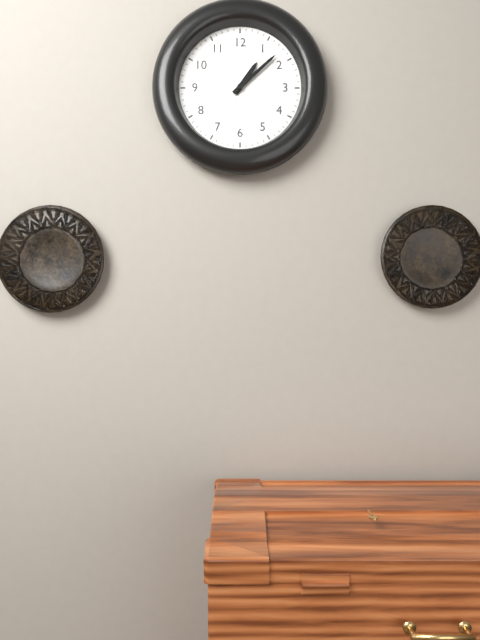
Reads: 1.08
